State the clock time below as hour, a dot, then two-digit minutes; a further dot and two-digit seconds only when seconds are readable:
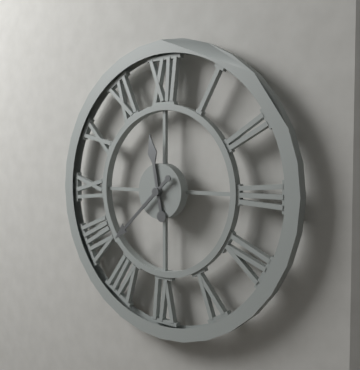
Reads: 11.38
